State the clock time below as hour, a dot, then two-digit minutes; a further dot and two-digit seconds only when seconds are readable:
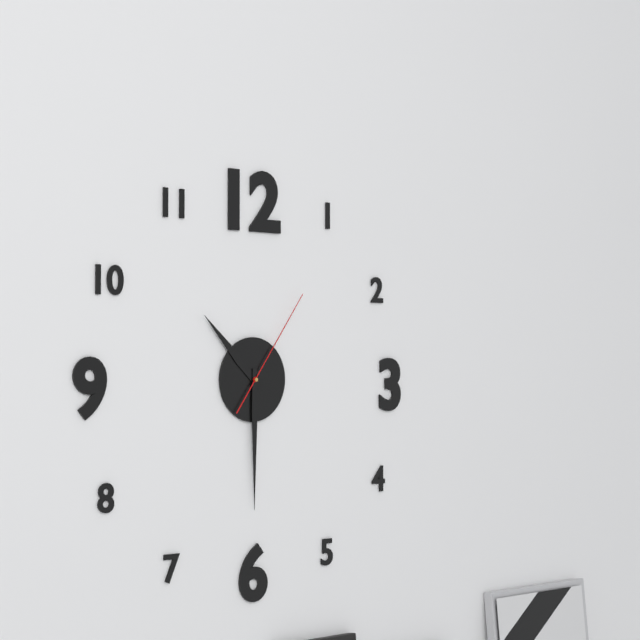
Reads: 10.30.06
